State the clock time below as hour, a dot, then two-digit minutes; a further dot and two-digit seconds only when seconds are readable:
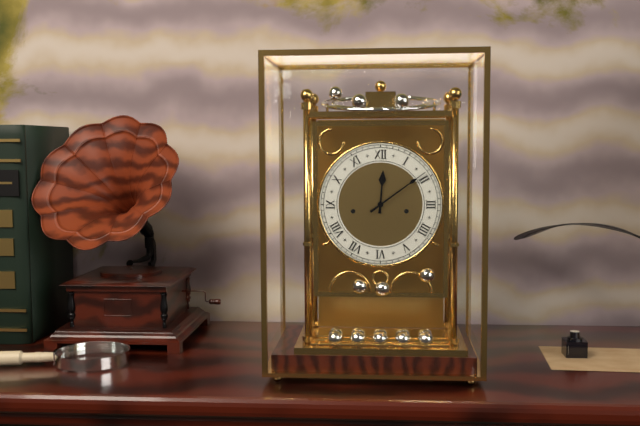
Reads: 12.09
